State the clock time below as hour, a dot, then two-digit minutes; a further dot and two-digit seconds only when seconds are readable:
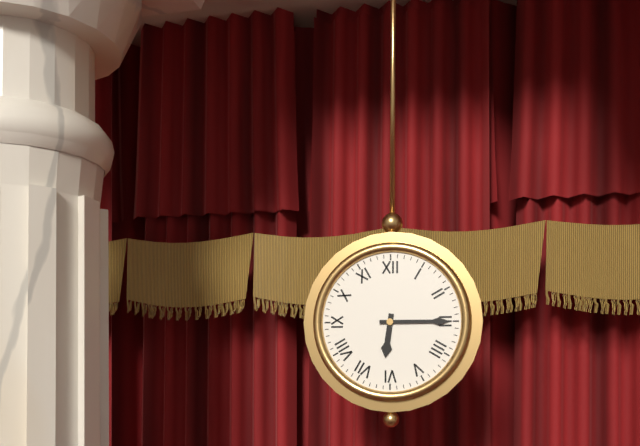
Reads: 6.15
